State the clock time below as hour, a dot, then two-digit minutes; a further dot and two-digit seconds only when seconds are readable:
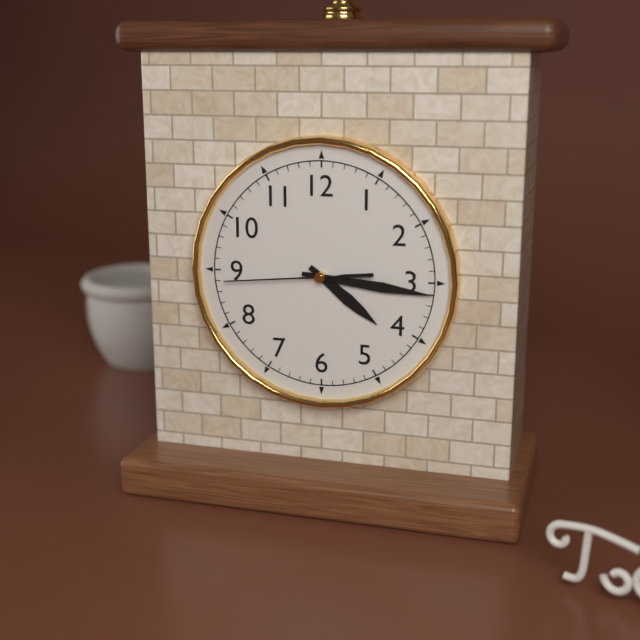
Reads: 4.16.44
